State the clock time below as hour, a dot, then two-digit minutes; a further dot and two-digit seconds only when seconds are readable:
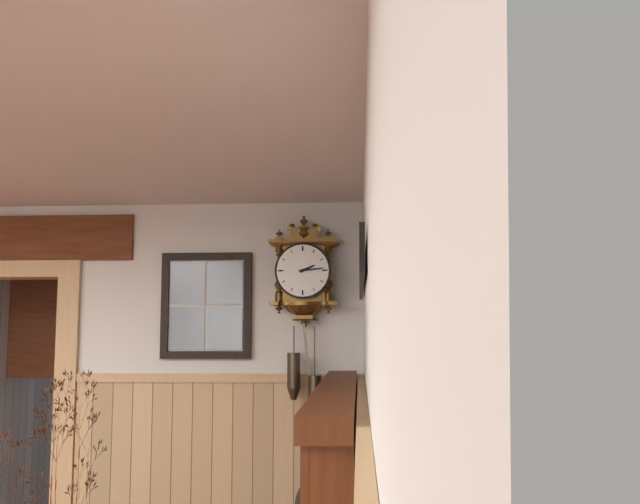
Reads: 2.14
